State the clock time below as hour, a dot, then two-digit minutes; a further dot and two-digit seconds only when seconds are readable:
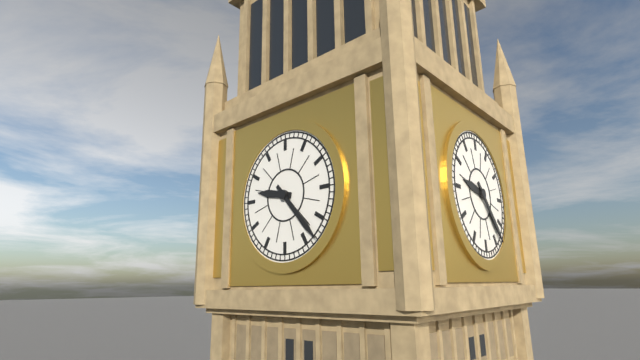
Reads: 9.23
